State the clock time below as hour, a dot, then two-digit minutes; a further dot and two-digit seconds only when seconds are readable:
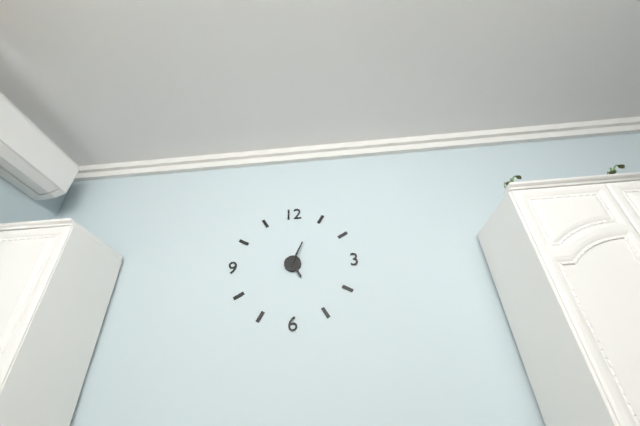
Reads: 5.04
